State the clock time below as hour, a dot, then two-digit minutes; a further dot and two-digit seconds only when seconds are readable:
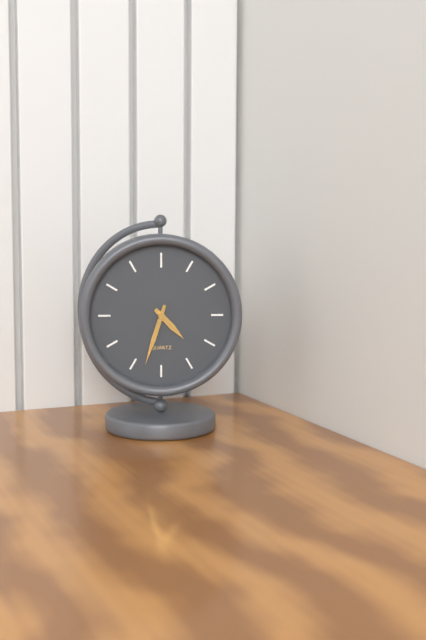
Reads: 4.33
